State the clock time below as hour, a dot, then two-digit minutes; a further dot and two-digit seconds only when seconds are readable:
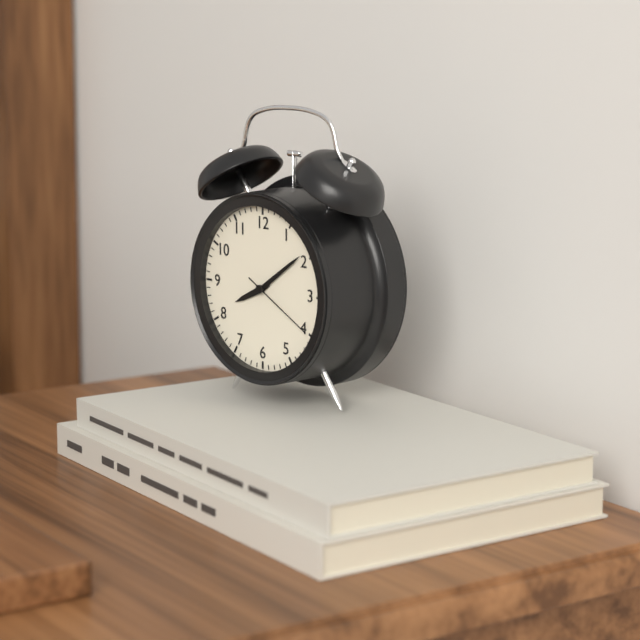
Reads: 8.09.20
